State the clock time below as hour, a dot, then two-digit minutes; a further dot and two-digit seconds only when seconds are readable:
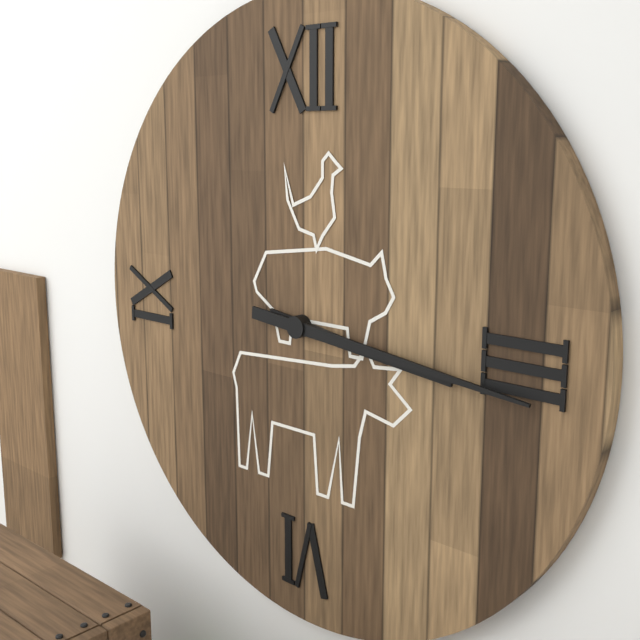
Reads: 3.16
